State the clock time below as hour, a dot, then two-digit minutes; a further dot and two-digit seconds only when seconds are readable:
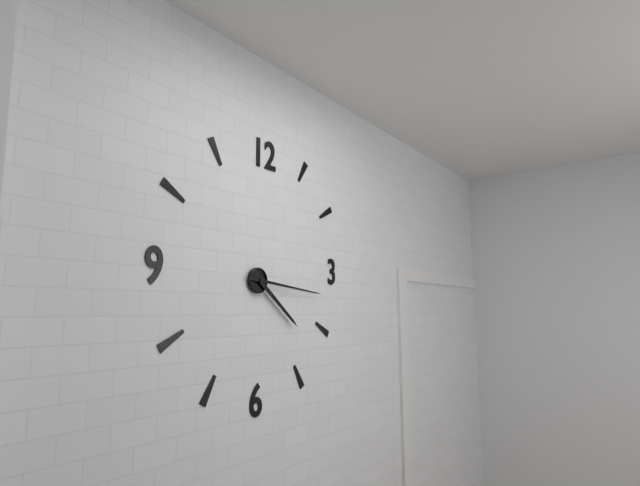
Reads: 4.16
